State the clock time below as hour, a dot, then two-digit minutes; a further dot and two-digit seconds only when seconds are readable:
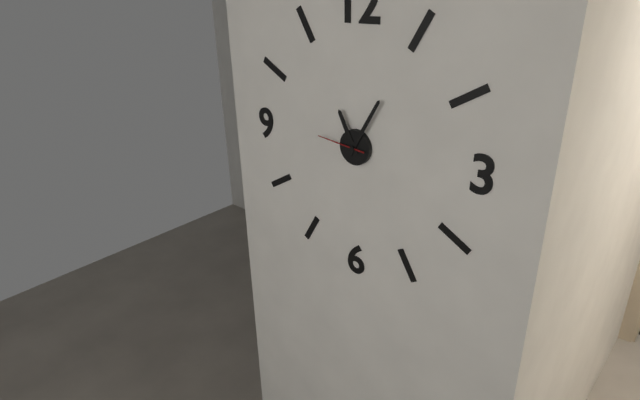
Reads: 11.05
